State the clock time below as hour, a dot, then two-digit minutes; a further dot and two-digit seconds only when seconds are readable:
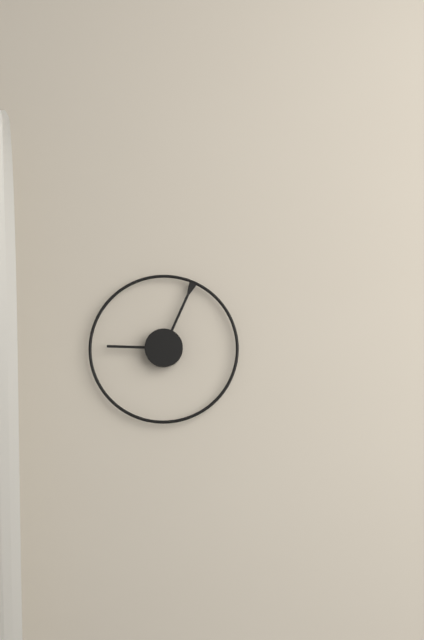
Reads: 9.04
